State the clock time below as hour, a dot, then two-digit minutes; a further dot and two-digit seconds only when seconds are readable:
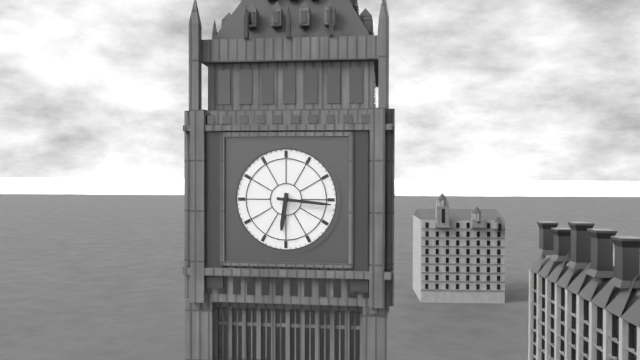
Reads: 6.16
